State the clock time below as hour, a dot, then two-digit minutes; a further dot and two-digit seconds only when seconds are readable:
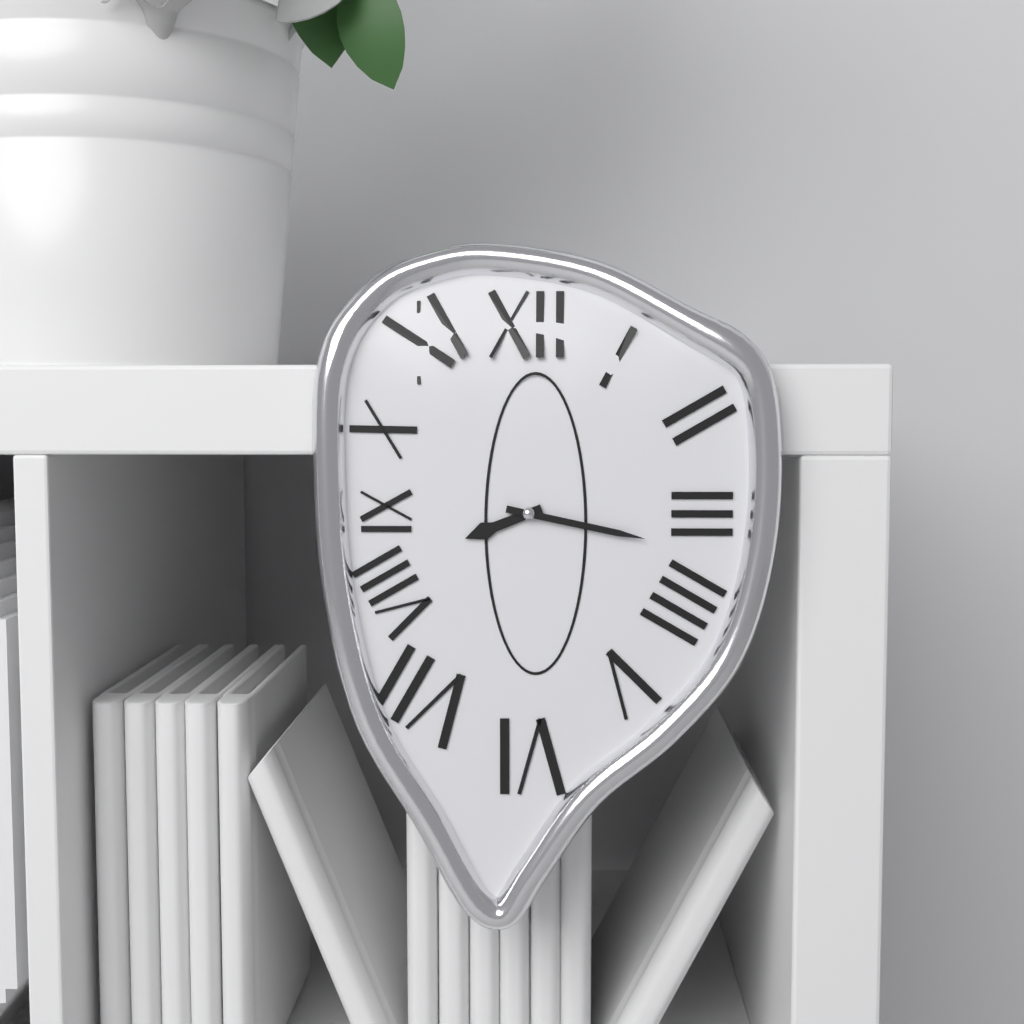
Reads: 8.17
